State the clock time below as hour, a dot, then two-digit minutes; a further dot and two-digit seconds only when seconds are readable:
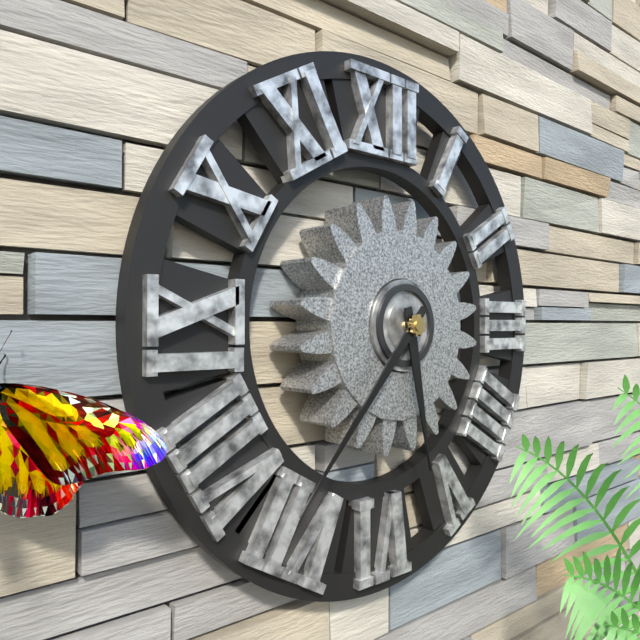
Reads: 5.37
